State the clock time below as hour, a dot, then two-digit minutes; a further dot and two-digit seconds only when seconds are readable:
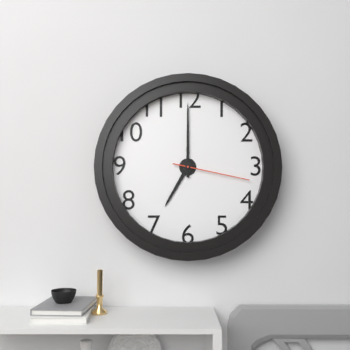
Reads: 7.00.17
